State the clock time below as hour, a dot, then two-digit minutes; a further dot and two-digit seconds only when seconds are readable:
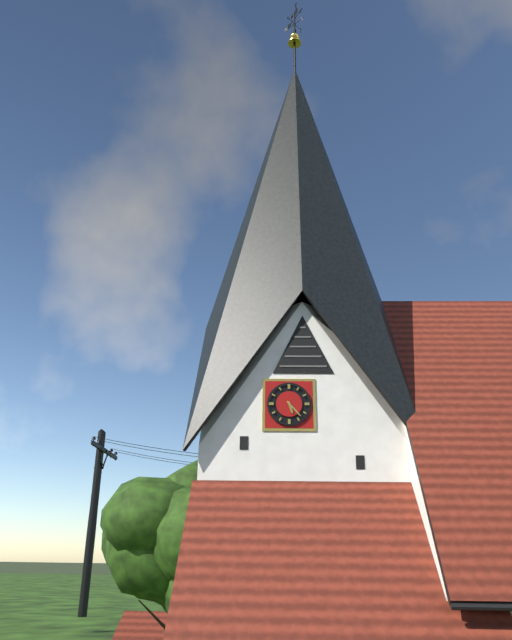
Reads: 5.23
